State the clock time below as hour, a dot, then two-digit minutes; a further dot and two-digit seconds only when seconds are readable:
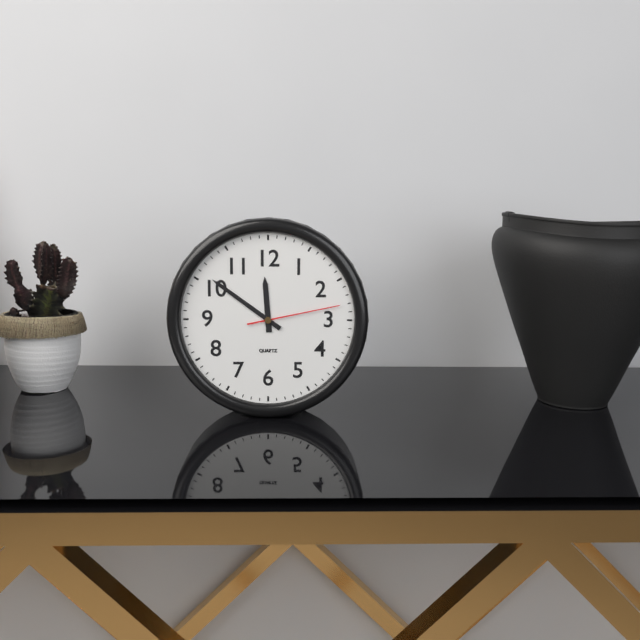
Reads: 11.51.13
